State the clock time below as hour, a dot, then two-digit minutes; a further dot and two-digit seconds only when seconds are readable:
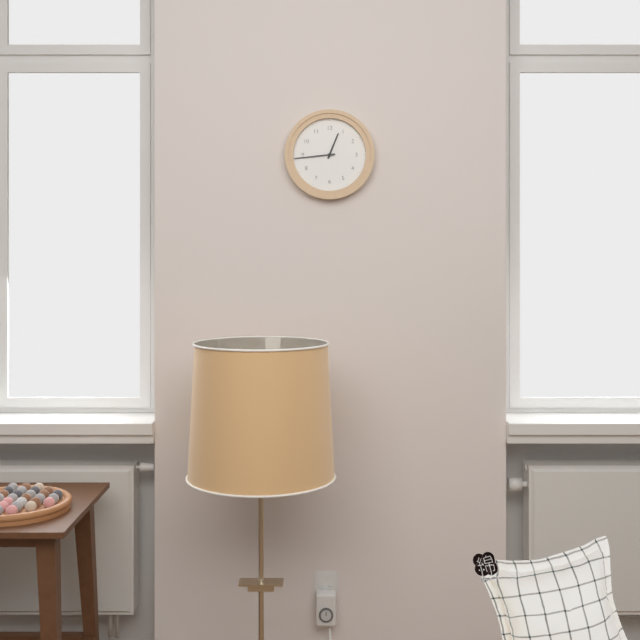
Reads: 12.44
